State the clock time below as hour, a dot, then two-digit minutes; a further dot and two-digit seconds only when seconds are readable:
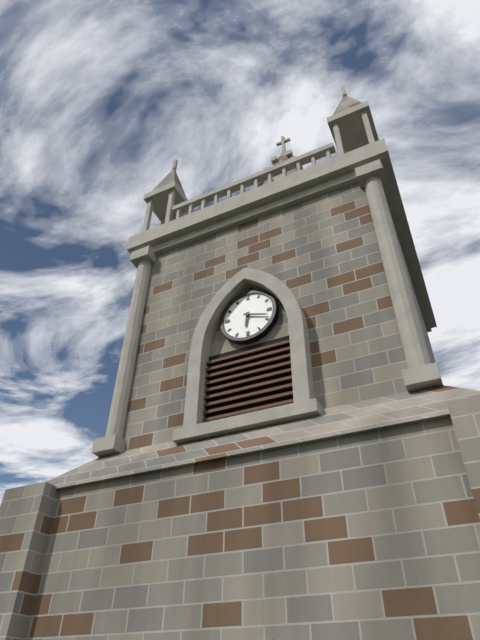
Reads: 6.18
